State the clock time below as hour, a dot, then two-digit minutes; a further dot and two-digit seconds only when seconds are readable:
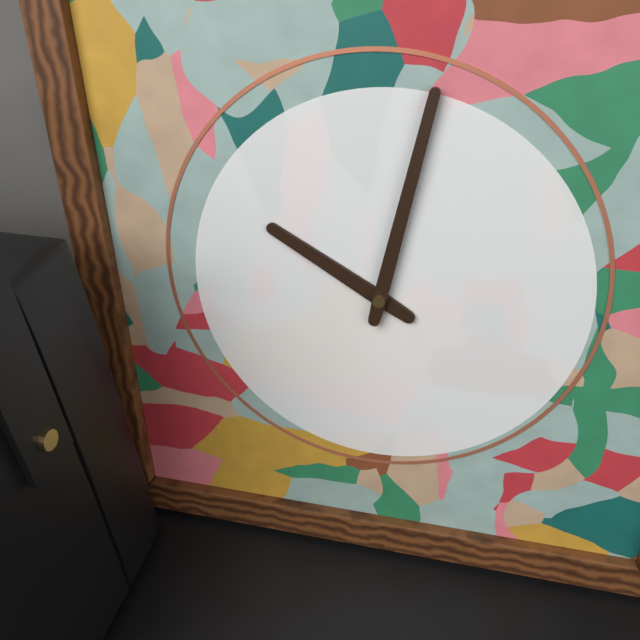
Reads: 10.02
